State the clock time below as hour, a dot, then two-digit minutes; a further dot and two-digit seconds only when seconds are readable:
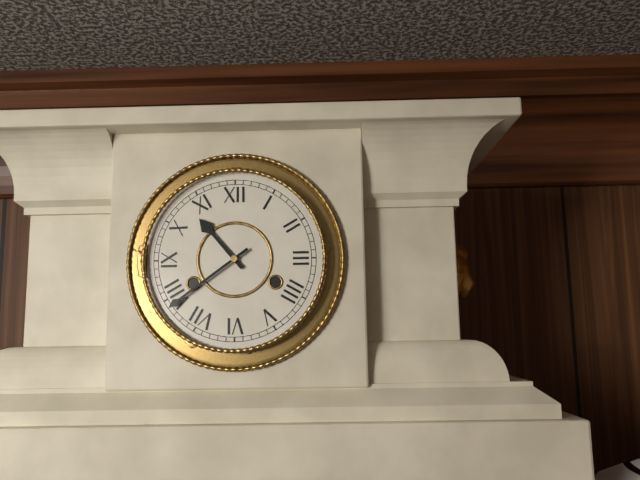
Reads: 10.39
